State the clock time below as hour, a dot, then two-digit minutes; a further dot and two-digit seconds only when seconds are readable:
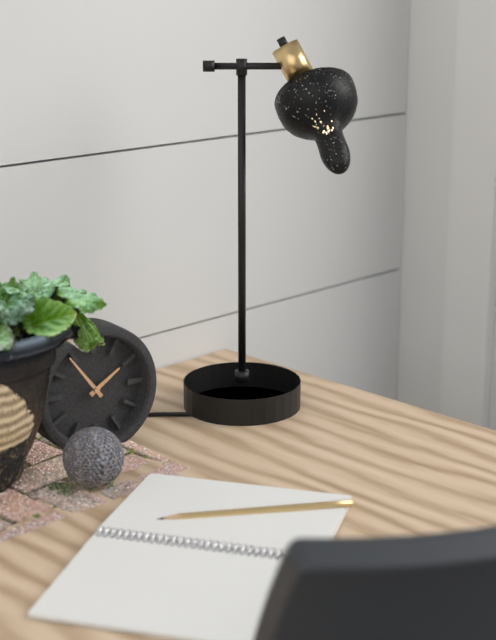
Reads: 1.54
